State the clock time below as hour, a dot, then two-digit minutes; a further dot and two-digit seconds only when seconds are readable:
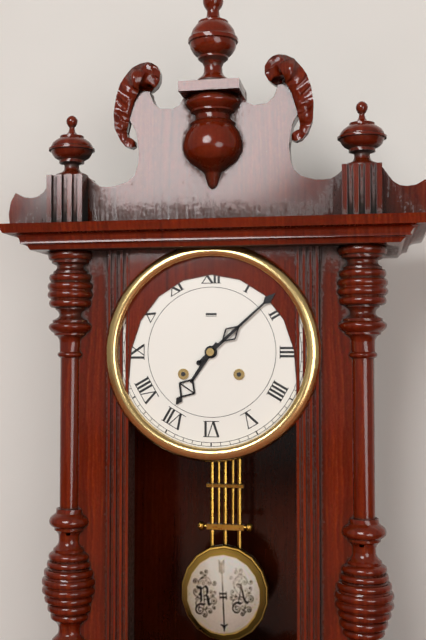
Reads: 7.08
